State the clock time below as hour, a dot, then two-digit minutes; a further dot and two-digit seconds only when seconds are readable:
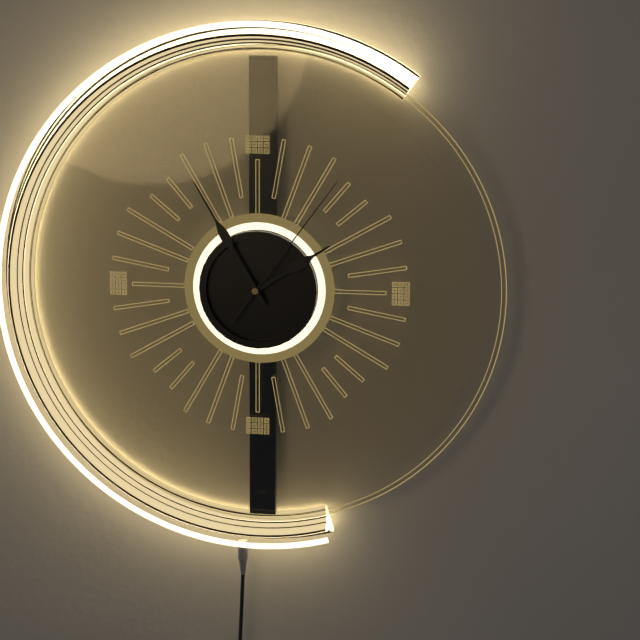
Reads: 1.55.06
